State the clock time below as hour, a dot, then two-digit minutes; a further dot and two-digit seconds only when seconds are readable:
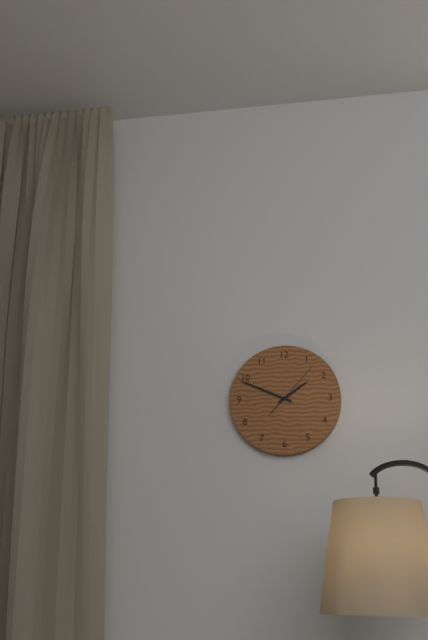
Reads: 1.49.07
